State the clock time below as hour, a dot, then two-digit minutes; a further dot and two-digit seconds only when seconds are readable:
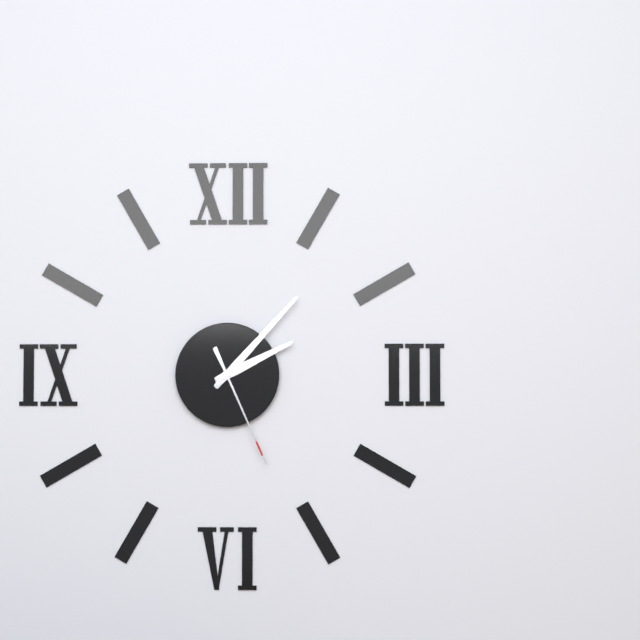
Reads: 2.07.26
